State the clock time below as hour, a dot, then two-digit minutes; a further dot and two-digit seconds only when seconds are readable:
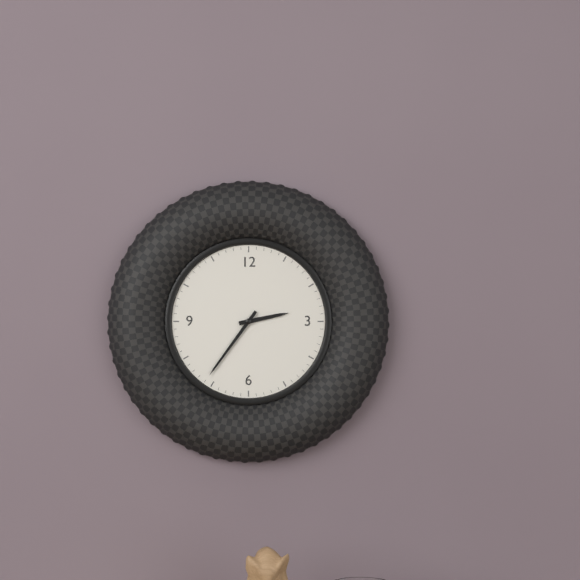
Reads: 2.36
